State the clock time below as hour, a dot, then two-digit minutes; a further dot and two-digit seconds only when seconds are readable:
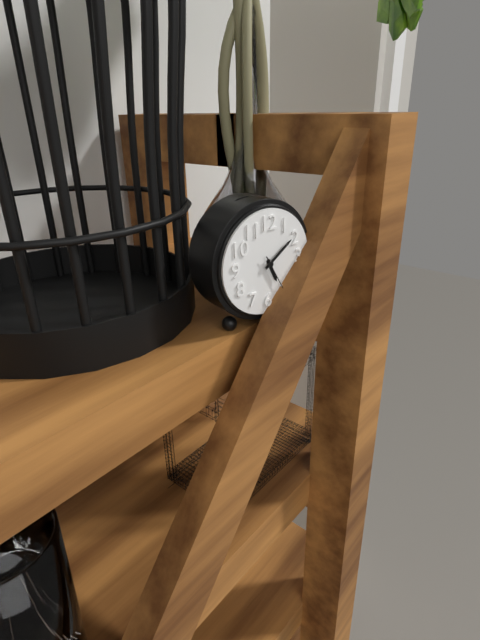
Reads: 5.09
